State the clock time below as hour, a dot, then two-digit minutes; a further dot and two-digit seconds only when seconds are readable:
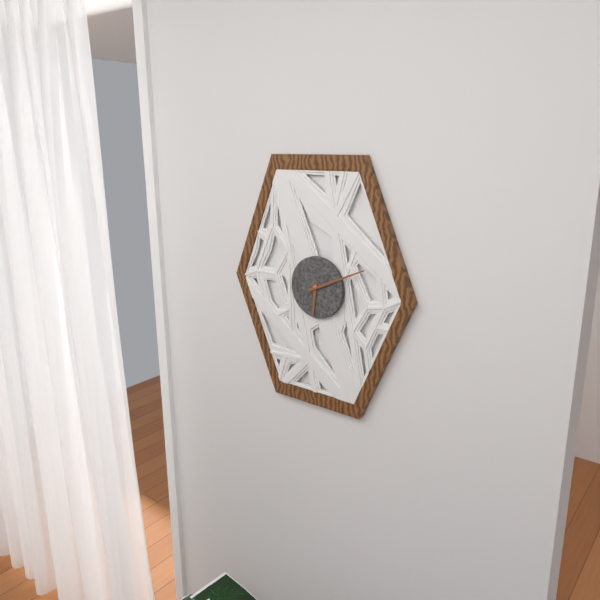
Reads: 6.11
